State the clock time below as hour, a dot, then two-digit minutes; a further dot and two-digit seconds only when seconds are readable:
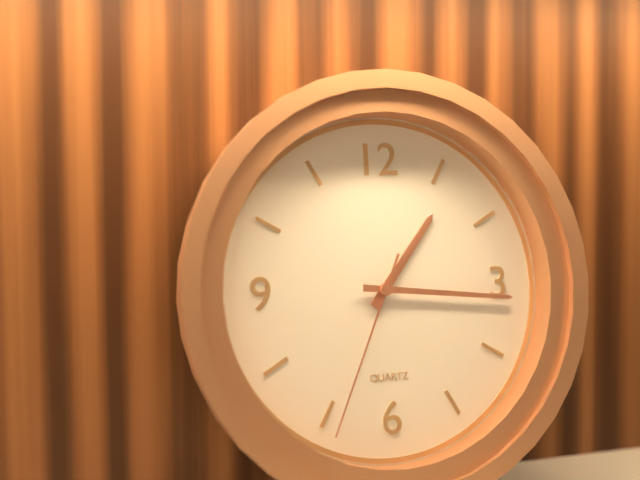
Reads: 1.16.34
